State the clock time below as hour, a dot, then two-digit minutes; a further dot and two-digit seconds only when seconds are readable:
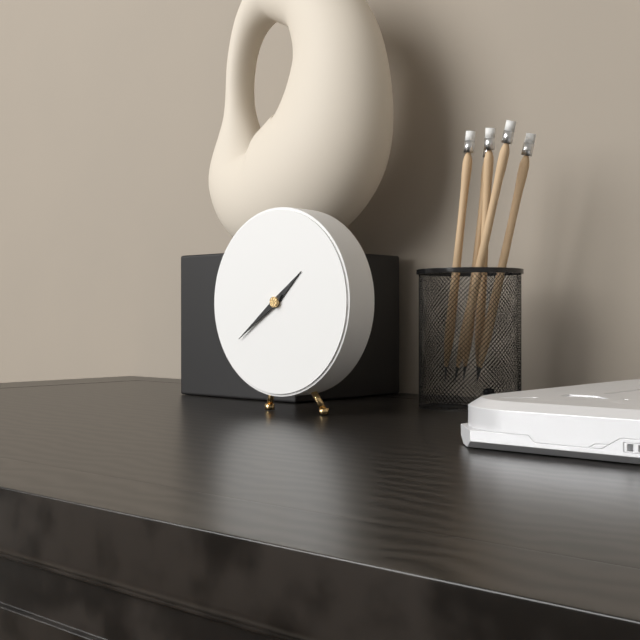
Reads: 1.39
